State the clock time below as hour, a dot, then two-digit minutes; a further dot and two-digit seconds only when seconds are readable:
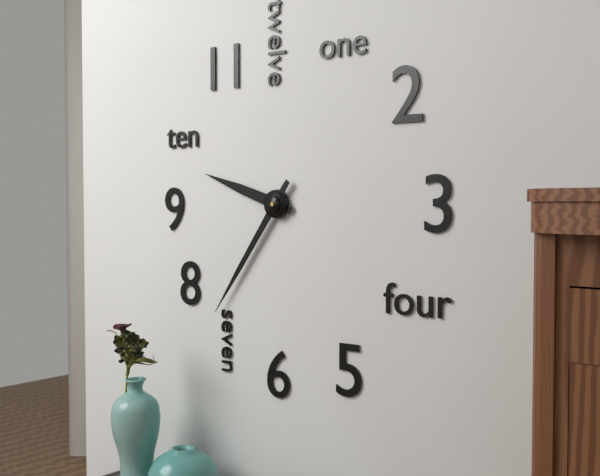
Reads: 9.36
